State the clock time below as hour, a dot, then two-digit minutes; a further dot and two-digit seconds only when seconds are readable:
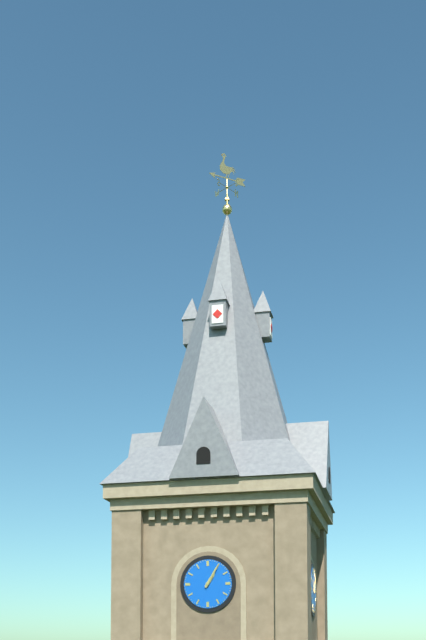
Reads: 1.05
